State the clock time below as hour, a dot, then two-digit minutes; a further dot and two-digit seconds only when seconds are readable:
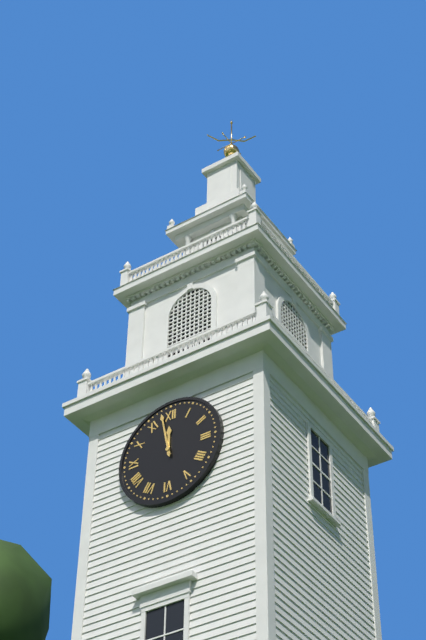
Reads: 11.58
